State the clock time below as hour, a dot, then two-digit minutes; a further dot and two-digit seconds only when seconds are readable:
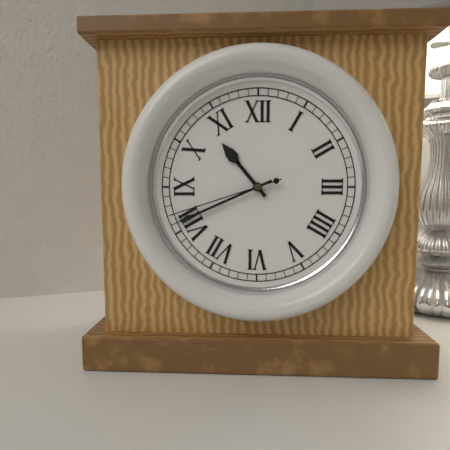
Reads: 10.41.42
